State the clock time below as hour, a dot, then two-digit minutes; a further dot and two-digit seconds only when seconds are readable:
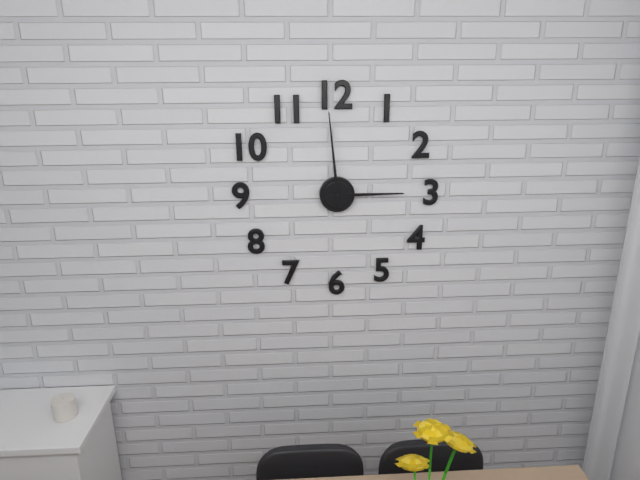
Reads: 2.59
